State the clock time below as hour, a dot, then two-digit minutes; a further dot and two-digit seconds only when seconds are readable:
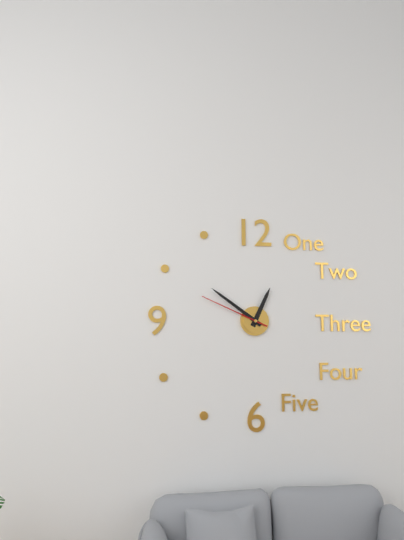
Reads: 12.51.49
